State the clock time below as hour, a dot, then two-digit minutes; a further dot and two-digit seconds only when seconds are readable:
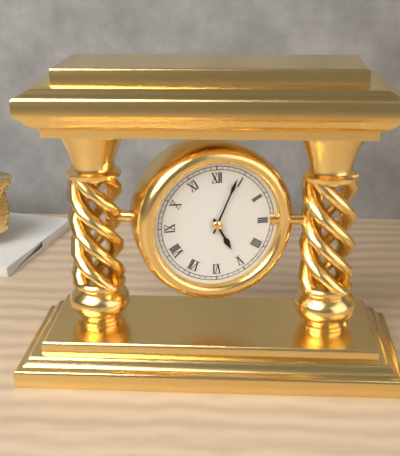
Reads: 5.04
